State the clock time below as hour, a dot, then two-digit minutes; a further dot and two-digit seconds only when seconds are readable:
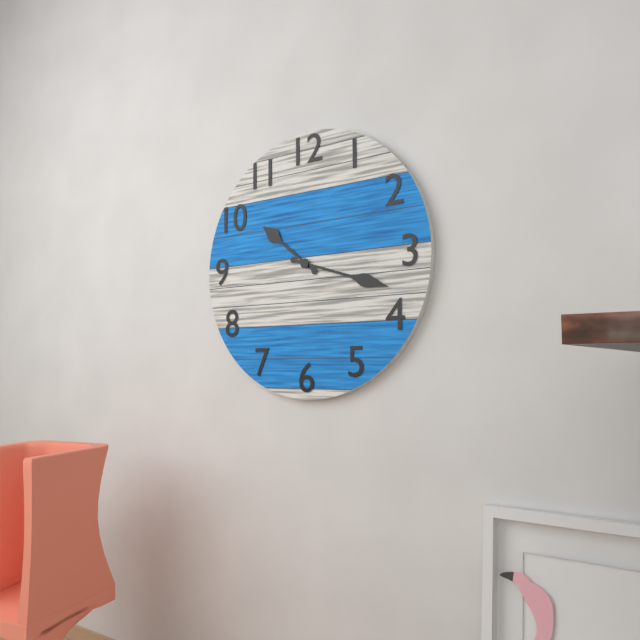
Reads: 10.18
